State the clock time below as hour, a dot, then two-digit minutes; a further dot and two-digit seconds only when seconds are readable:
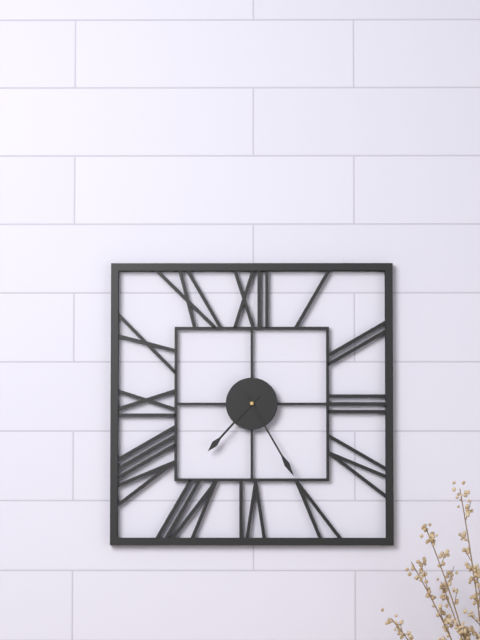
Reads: 7.25
